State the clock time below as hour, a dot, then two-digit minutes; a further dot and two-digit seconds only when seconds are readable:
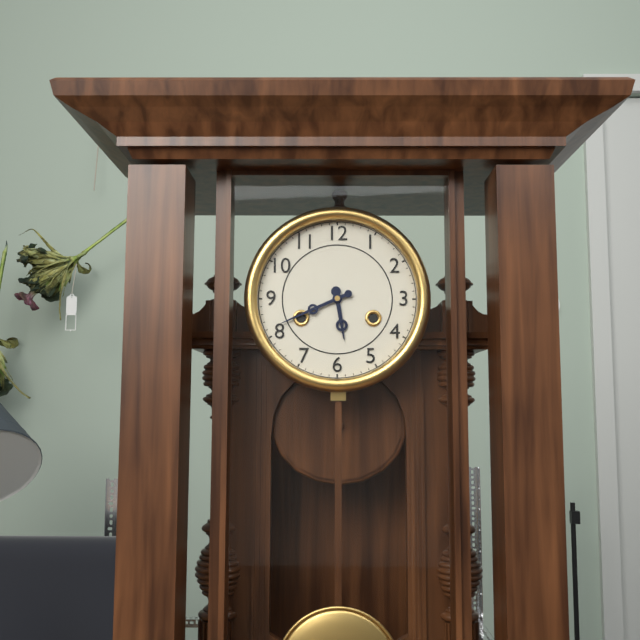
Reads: 5.41
